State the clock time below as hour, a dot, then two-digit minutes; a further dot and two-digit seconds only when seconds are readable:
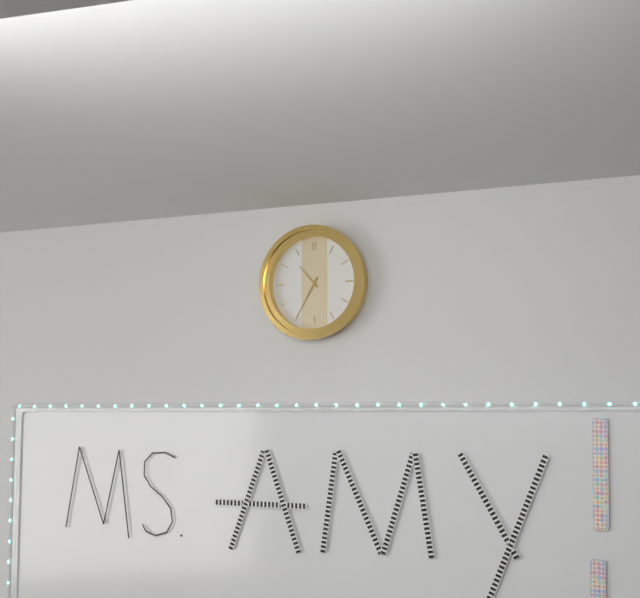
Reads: 10.35
